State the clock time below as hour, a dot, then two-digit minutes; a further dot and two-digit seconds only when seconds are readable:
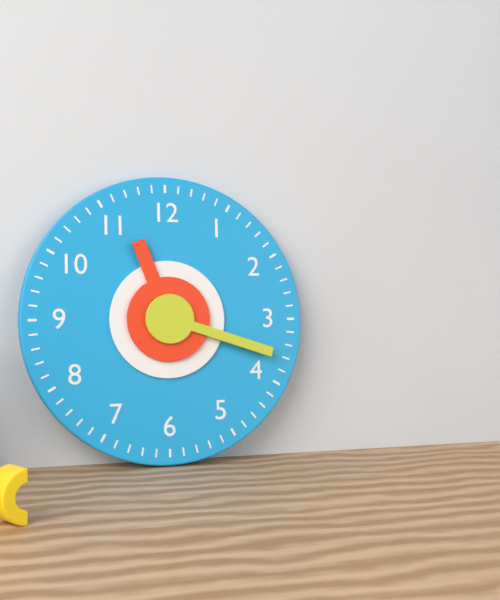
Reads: 11.18
